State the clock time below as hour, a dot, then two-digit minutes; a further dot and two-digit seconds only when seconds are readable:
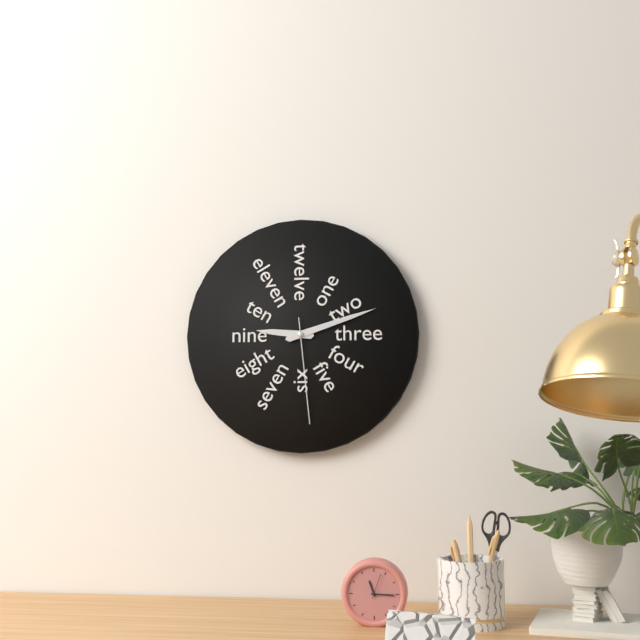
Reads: 9.12.29
